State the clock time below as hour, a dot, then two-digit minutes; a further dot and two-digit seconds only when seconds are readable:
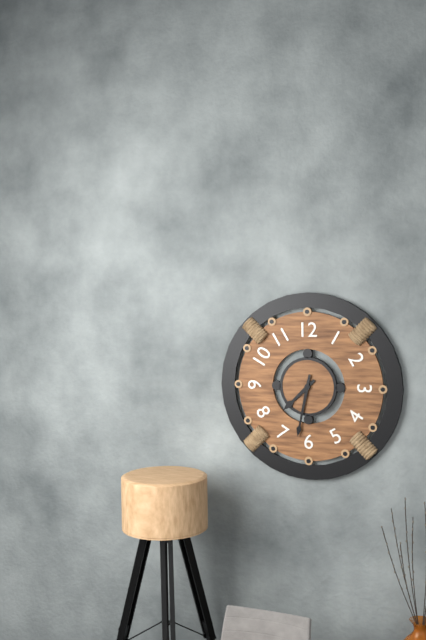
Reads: 7.32
